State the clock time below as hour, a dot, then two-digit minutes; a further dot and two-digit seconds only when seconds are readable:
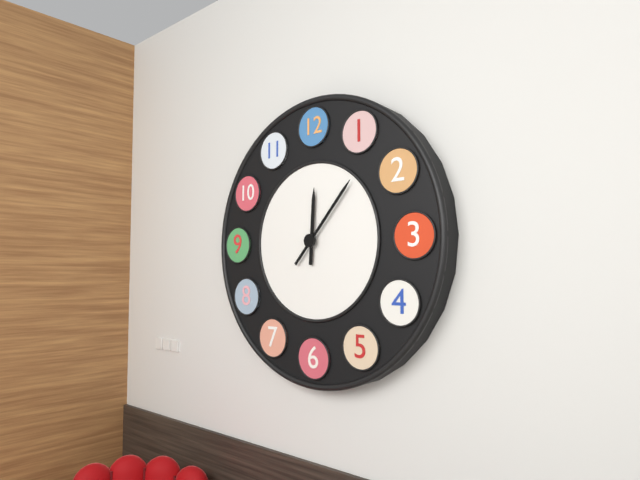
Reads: 12.07
